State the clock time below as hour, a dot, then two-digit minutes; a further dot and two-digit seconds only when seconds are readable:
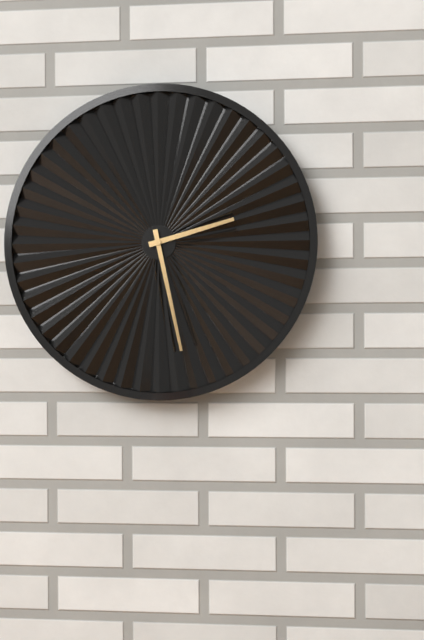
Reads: 2.28
